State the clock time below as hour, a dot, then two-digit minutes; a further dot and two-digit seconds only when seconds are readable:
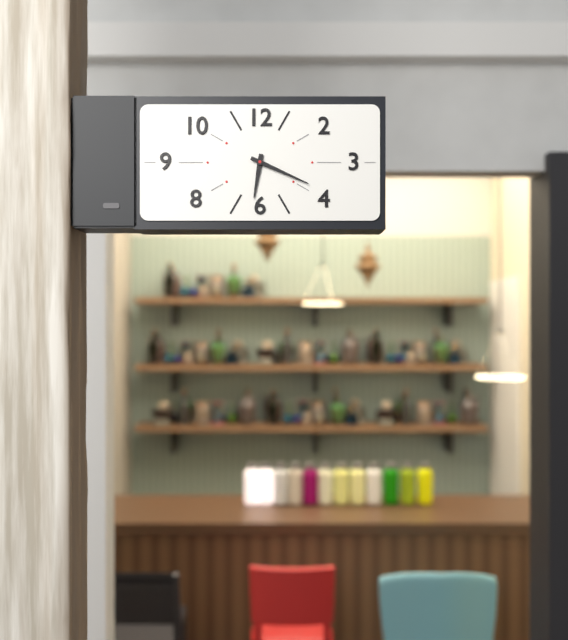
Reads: 6.19
